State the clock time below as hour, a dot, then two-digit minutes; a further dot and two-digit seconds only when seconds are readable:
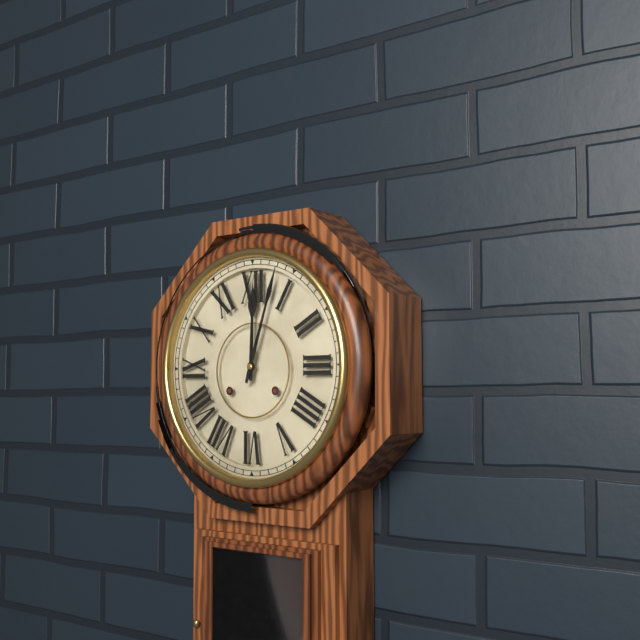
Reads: 12.03
